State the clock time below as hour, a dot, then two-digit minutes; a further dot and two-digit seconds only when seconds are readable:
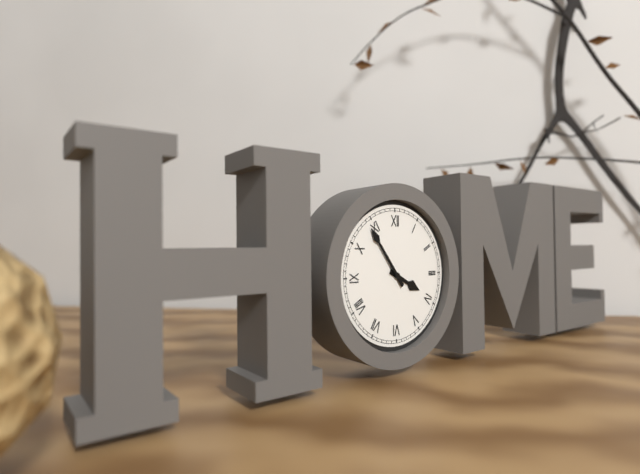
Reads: 3.54
